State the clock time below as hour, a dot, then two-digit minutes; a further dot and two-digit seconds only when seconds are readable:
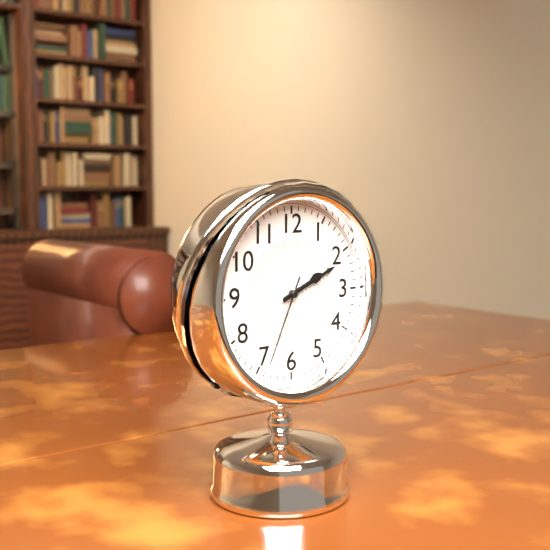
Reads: 2.11.34
